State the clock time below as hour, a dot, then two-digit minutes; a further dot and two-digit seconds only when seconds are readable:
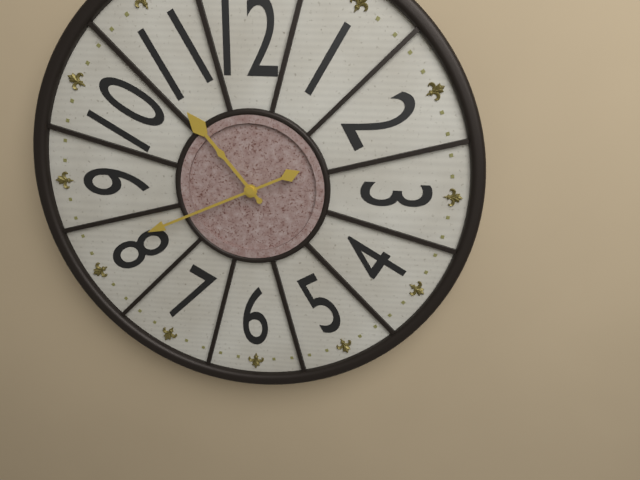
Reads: 10.41
